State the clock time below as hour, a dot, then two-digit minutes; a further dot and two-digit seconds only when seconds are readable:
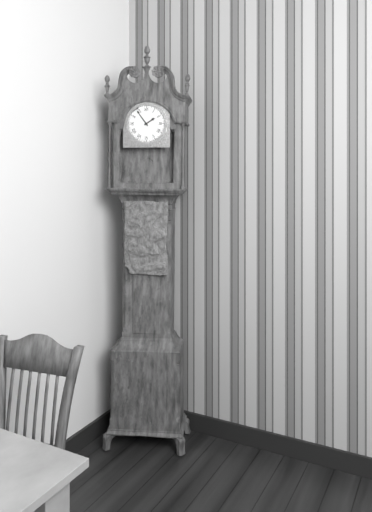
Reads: 1.54
